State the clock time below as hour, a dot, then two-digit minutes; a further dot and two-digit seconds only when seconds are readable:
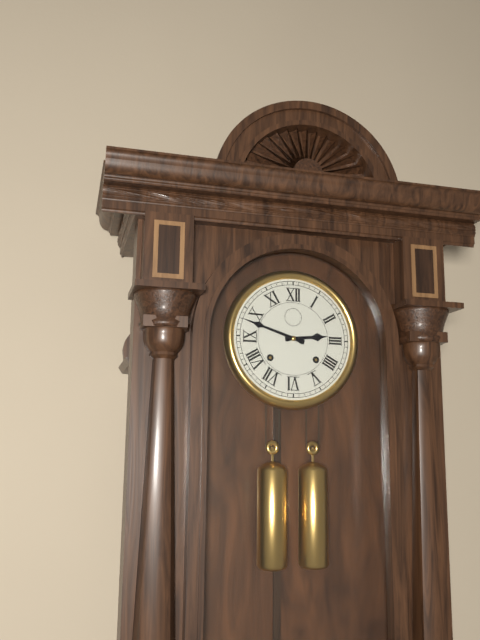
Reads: 2.48
